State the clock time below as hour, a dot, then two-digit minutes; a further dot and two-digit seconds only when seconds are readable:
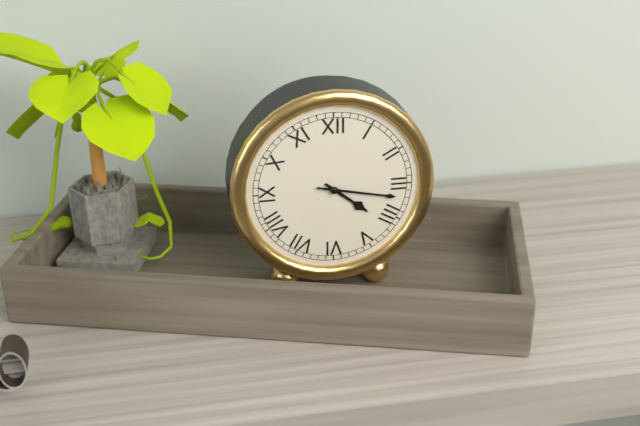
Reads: 4.17
